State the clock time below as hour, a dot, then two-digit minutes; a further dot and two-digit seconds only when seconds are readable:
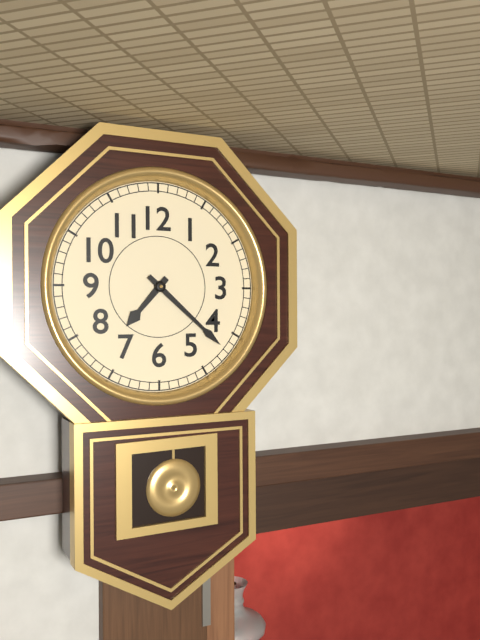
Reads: 7.22
